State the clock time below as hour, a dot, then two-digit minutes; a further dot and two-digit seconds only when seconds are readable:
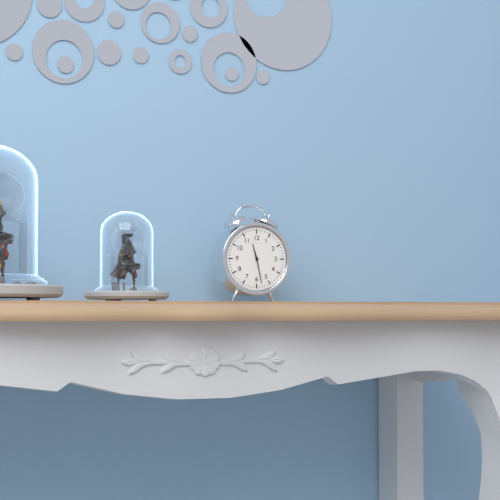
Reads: 11.28
